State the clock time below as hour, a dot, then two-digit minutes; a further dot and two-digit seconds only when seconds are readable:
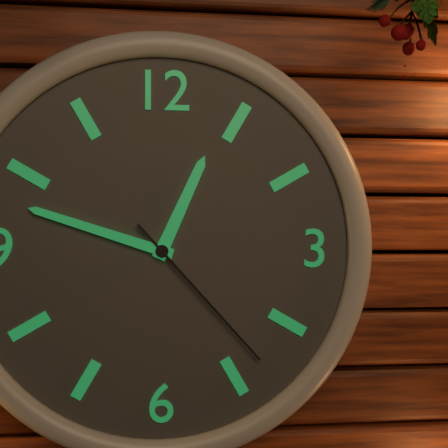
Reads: 12.48.23
